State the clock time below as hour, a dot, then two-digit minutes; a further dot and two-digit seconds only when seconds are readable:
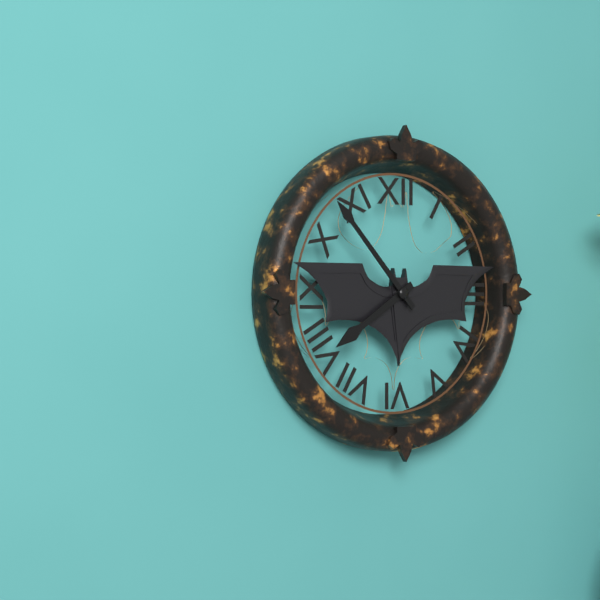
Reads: 7.53
